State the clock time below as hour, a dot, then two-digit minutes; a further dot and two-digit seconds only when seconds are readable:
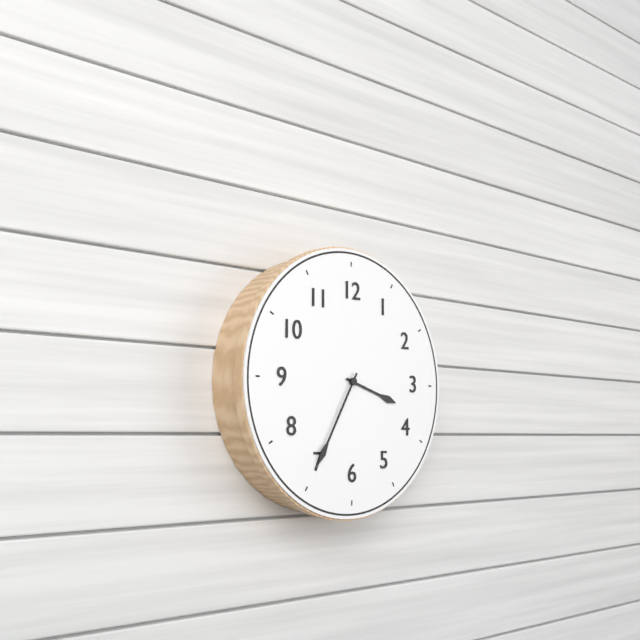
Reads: 3.35
